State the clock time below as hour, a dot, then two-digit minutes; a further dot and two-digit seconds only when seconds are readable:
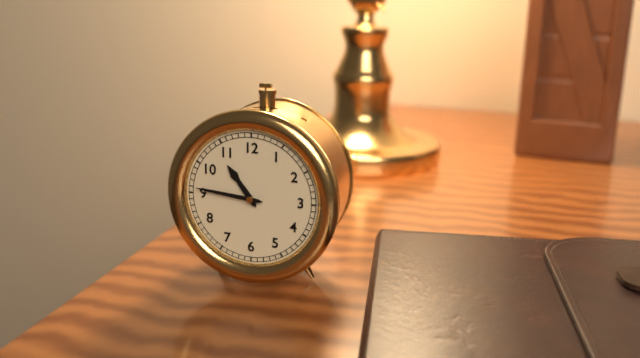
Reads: 10.46
